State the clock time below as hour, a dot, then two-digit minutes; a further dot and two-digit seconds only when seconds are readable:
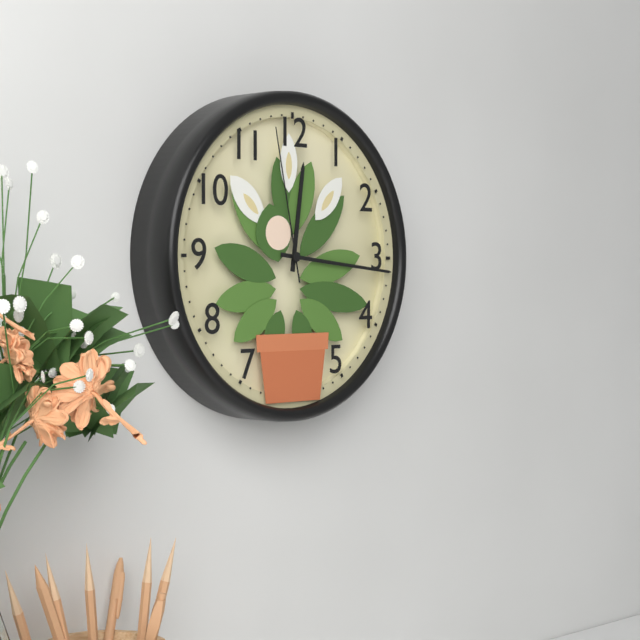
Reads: 12.16.58
